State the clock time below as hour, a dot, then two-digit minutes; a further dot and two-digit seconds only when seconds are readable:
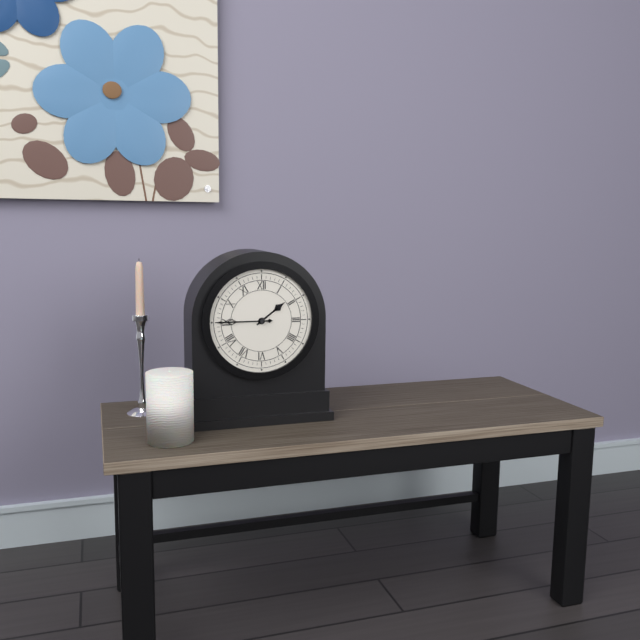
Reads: 1.45
